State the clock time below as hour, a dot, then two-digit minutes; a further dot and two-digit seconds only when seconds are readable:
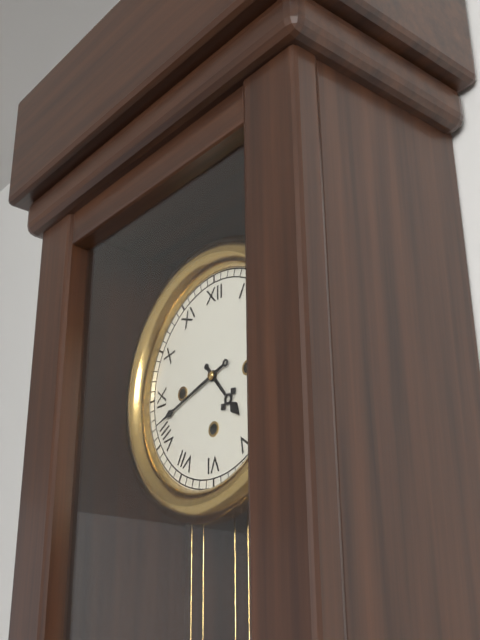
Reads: 4.42
